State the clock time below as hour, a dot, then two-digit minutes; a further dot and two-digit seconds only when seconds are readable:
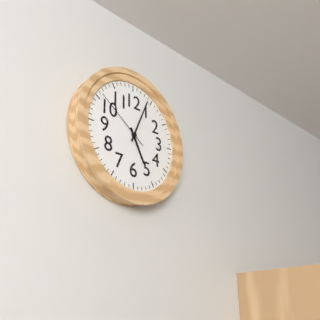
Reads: 5.04.51
